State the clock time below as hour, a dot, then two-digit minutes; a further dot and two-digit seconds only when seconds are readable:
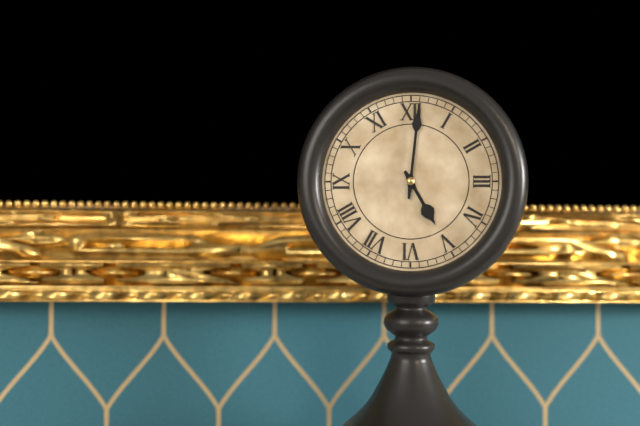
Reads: 5.01
